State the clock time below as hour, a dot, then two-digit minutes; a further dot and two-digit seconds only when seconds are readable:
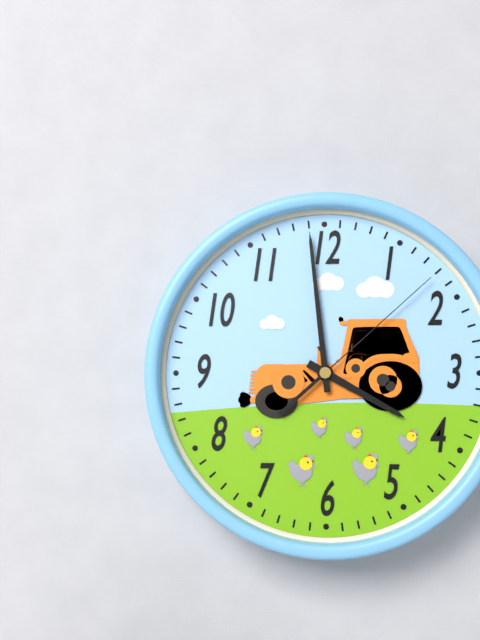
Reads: 3.59.08
